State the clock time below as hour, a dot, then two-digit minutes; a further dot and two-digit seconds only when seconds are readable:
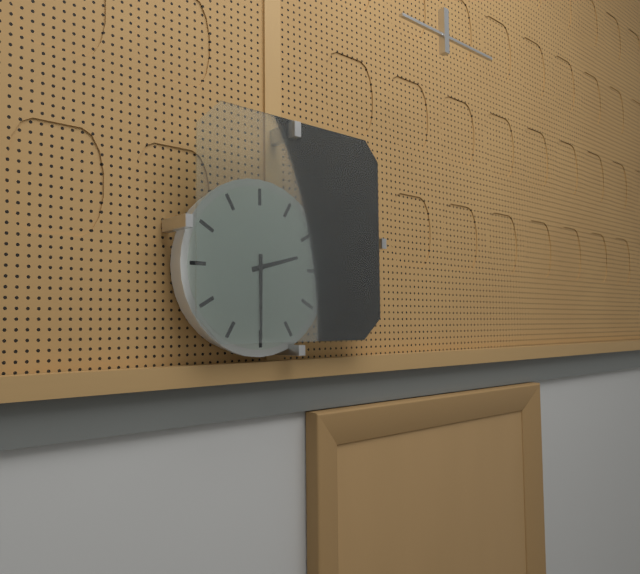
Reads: 2.30
